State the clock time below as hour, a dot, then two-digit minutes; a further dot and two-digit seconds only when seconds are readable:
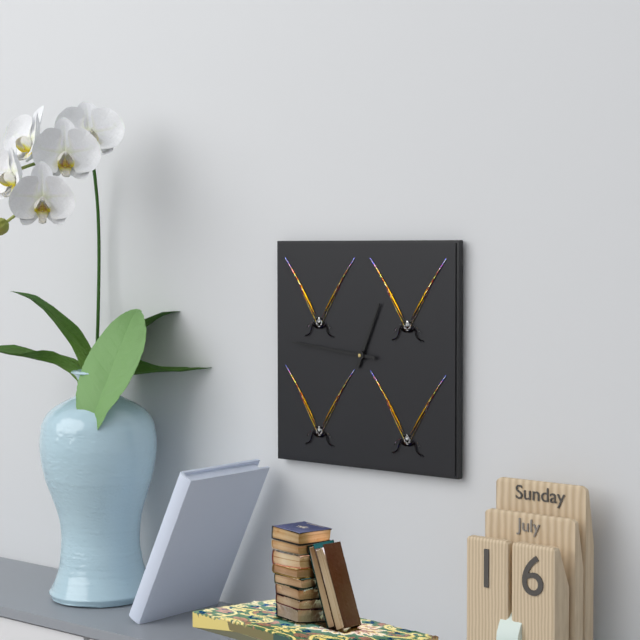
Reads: 12.46
